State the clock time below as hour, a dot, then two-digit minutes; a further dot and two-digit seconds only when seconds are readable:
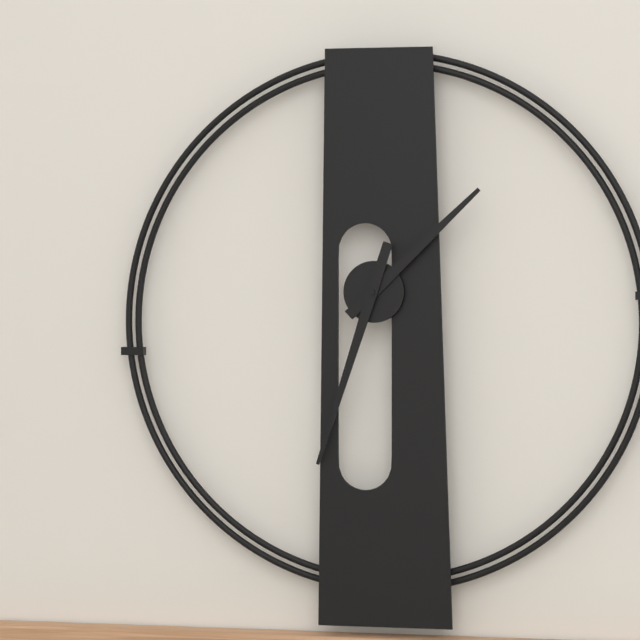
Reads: 1.33
